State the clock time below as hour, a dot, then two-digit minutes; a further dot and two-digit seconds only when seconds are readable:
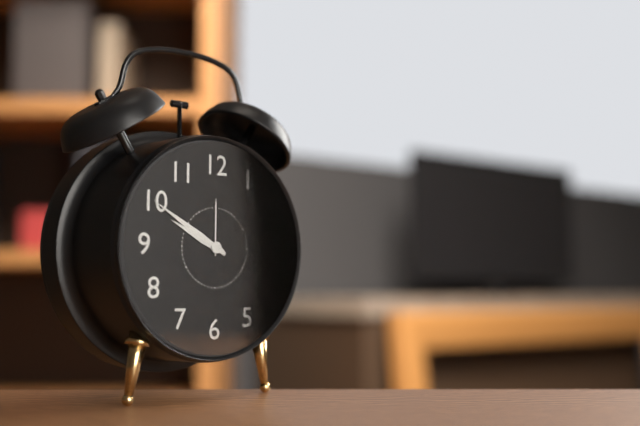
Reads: 9.50
